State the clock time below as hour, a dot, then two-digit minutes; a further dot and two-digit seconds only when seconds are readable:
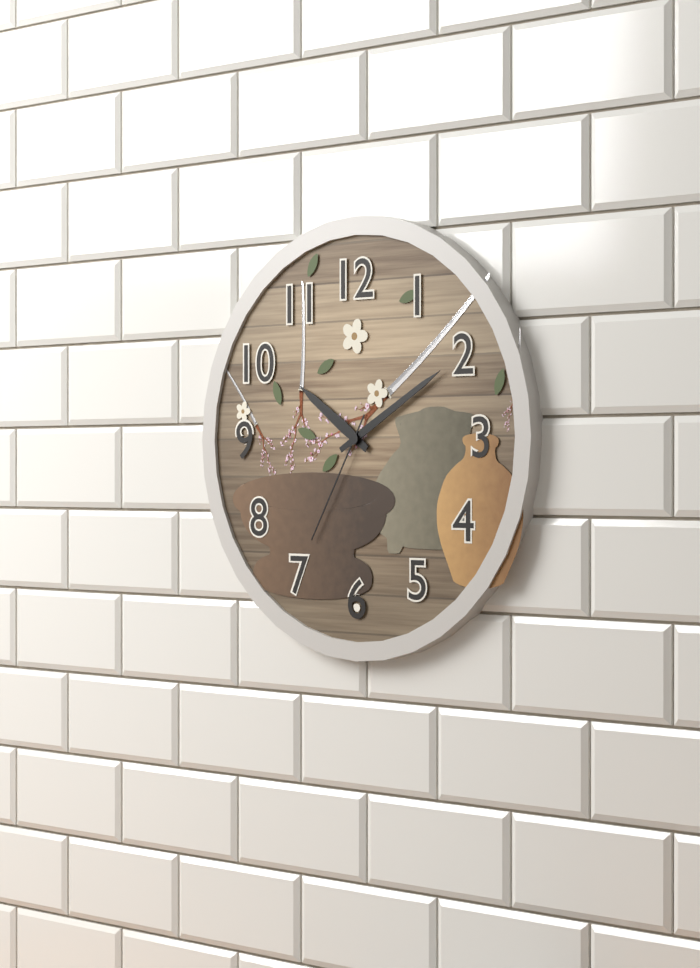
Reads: 10.10.35
